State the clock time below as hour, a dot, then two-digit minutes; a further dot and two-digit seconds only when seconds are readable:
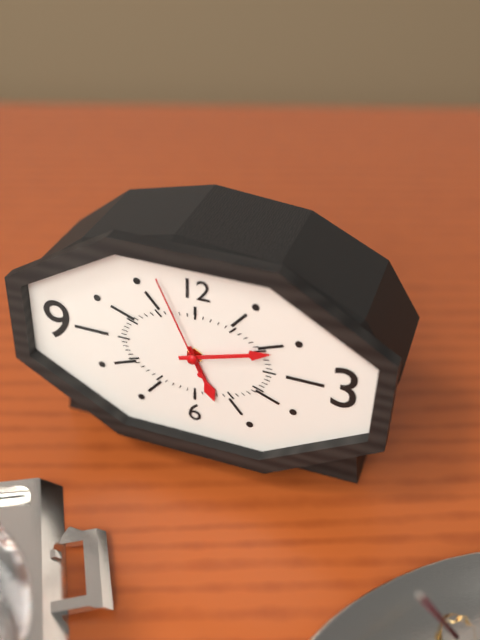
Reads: 5.12.56
